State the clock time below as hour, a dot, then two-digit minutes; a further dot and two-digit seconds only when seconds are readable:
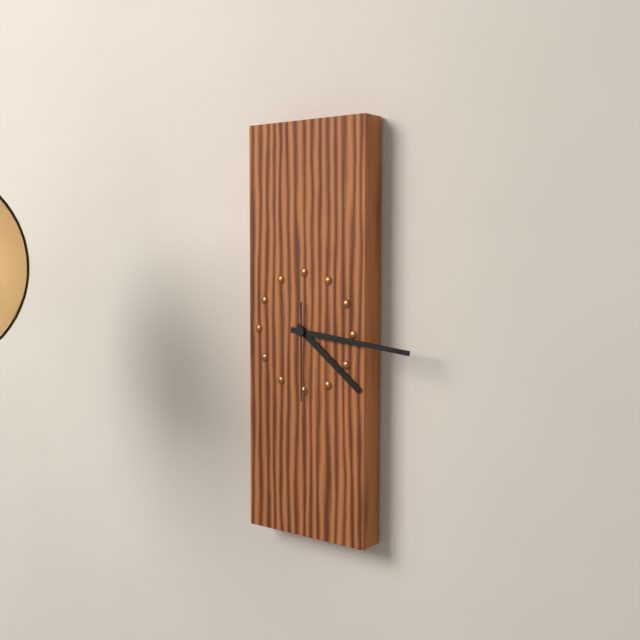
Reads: 4.16.30
